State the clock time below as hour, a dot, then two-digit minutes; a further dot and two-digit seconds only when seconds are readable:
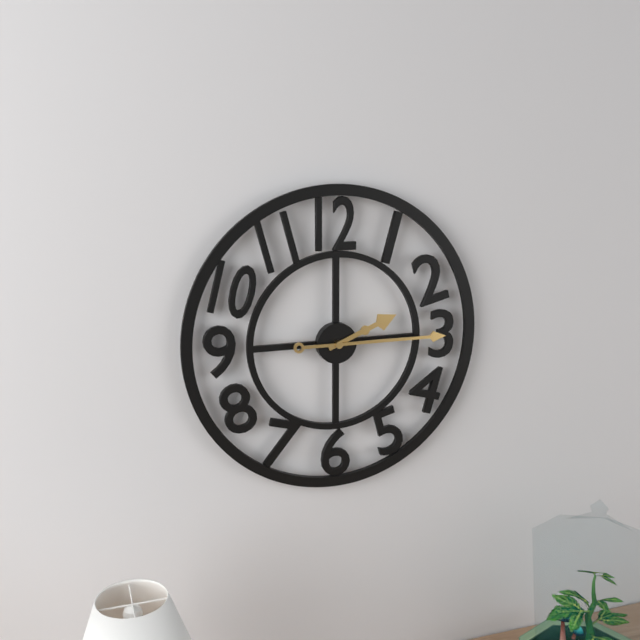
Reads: 2.15
